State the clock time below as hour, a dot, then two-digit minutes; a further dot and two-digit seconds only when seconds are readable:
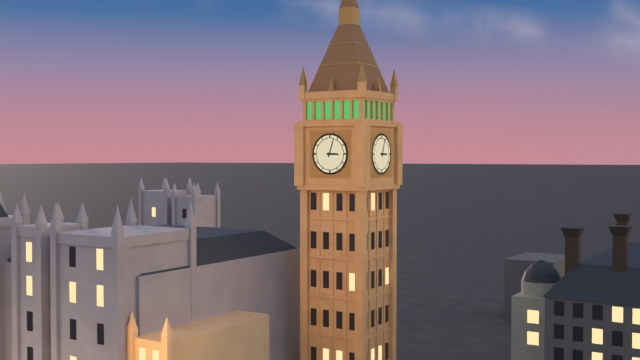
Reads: 3.03
